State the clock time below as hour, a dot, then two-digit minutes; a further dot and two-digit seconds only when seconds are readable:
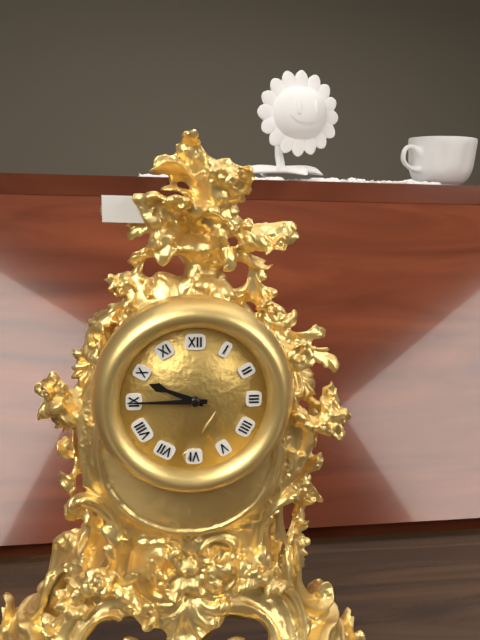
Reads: 9.45
